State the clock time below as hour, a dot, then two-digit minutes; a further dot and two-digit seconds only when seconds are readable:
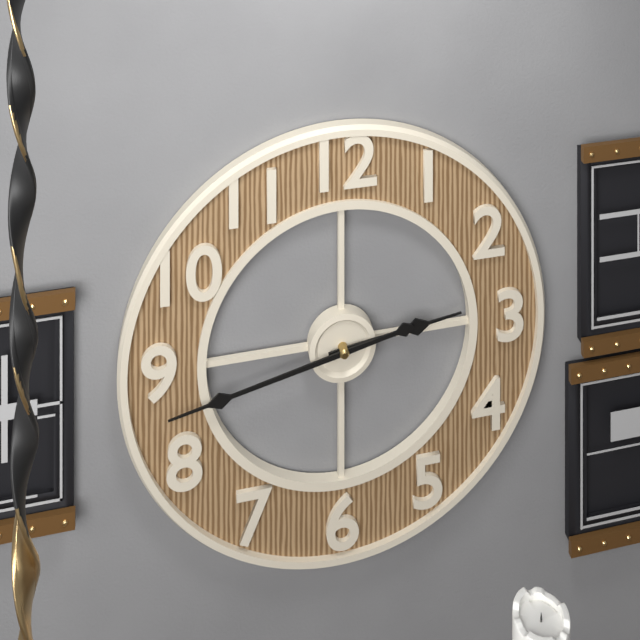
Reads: 2.43
